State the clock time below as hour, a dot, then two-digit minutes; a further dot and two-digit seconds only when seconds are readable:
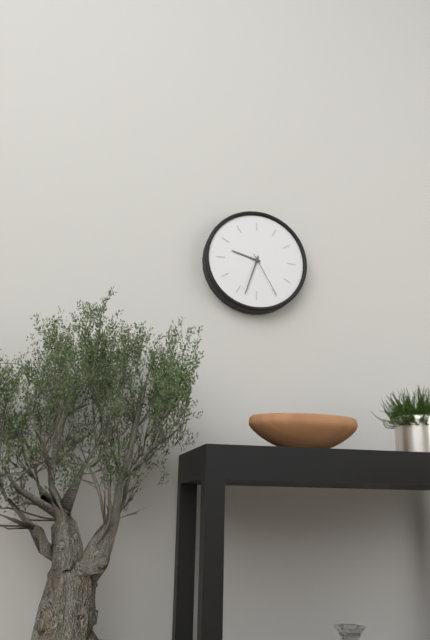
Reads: 9.33
